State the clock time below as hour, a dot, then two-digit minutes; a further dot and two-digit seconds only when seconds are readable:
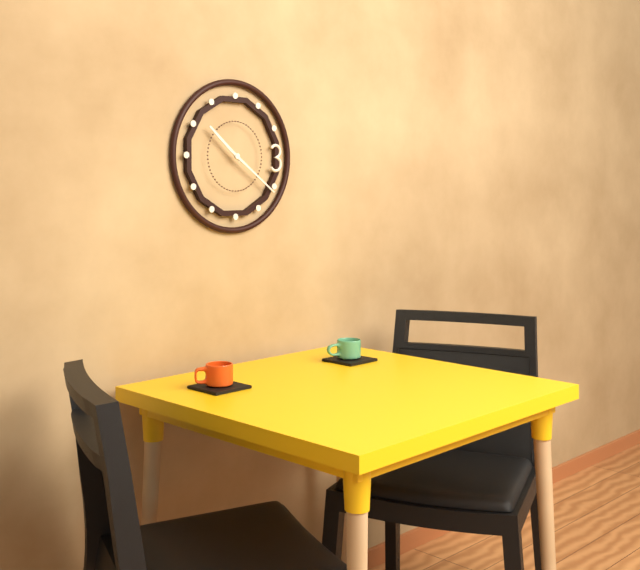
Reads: 10.21
